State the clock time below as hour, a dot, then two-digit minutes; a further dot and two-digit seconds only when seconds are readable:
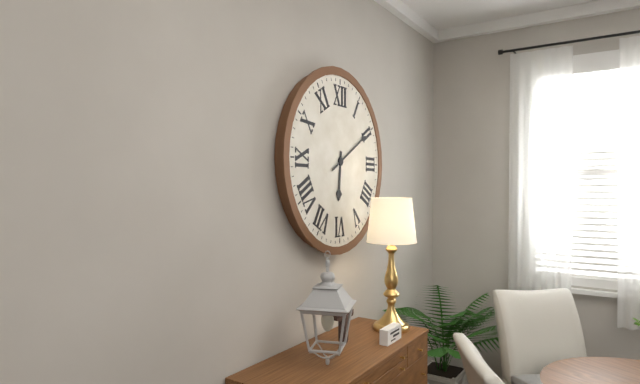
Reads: 6.10
